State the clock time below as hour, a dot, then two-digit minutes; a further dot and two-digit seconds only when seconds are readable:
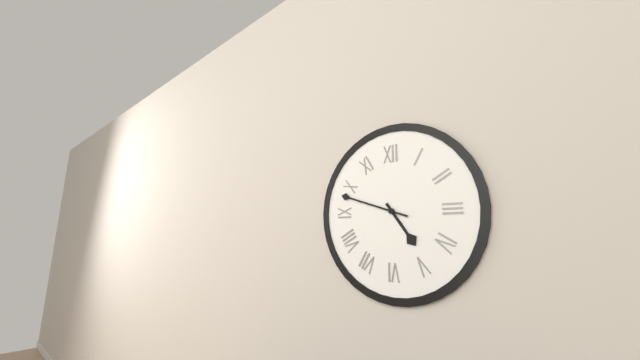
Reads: 4.48
